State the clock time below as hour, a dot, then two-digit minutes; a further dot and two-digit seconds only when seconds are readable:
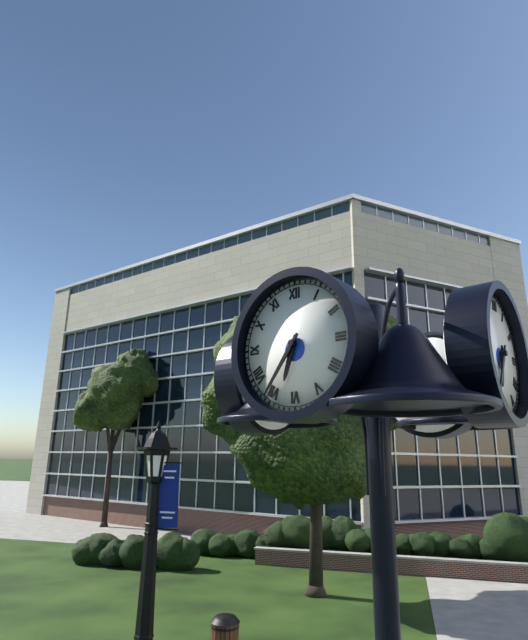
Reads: 6.36
